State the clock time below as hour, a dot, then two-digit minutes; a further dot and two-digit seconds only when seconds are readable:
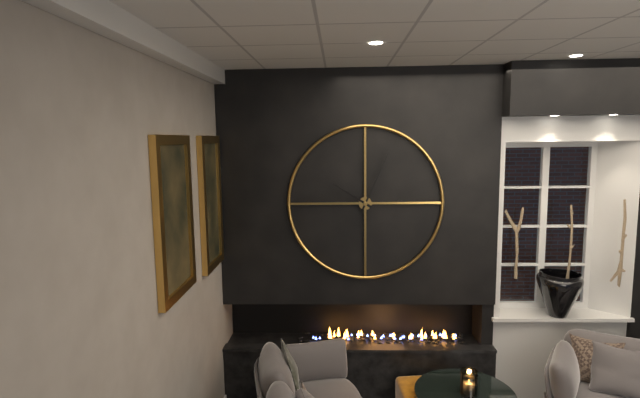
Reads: 10.04
